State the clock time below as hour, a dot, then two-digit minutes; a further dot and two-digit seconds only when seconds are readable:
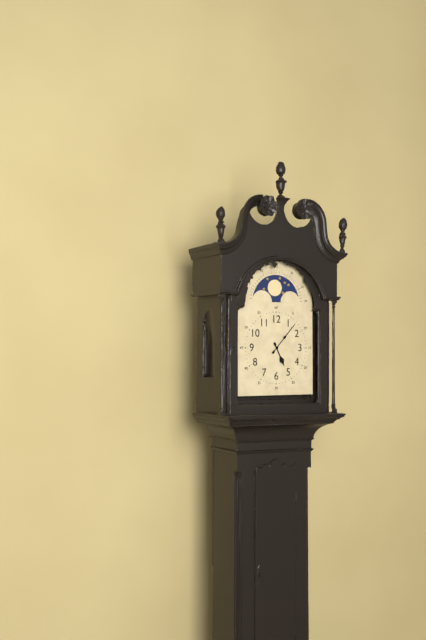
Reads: 5.07
